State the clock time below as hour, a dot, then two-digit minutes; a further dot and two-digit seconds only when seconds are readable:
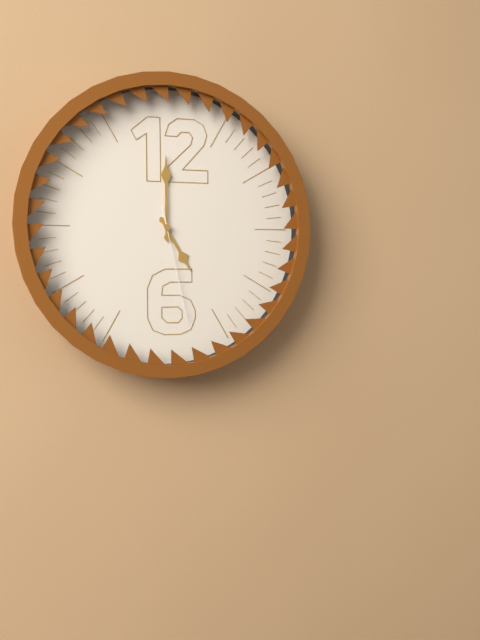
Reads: 5.00.28
